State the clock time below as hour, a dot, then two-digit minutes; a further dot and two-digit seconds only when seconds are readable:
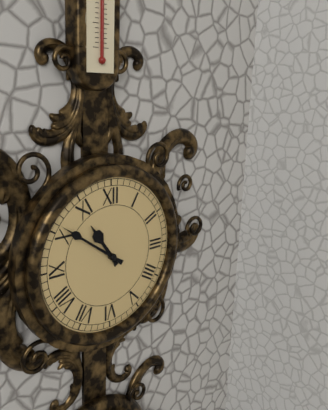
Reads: 10.51
